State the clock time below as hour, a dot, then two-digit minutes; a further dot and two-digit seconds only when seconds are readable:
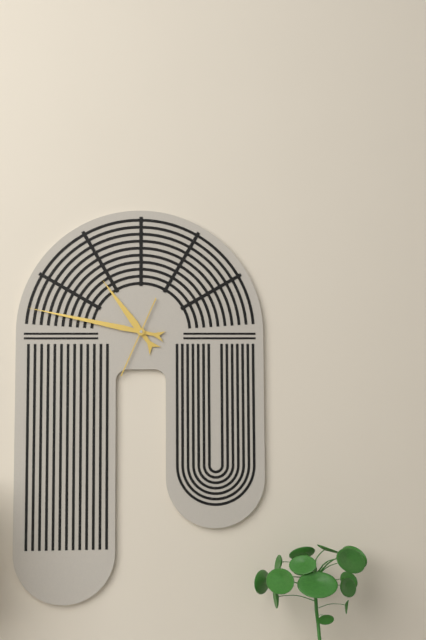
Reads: 10.47.34
